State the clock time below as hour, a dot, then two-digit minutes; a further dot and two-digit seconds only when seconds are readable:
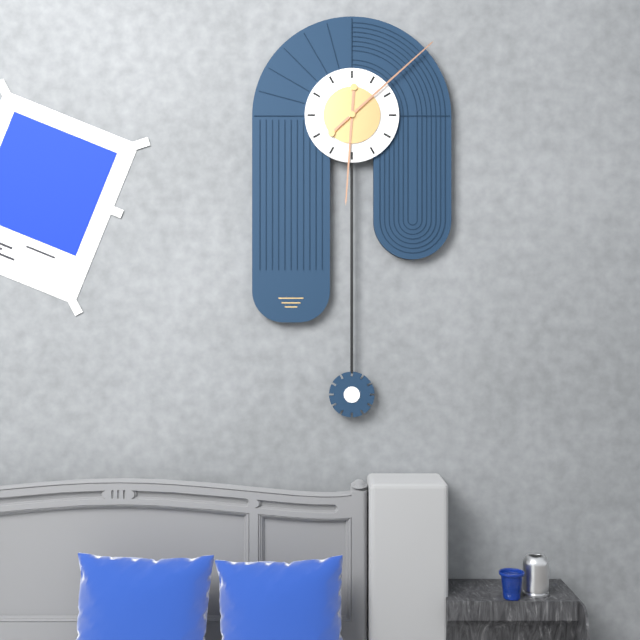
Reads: 6.08
